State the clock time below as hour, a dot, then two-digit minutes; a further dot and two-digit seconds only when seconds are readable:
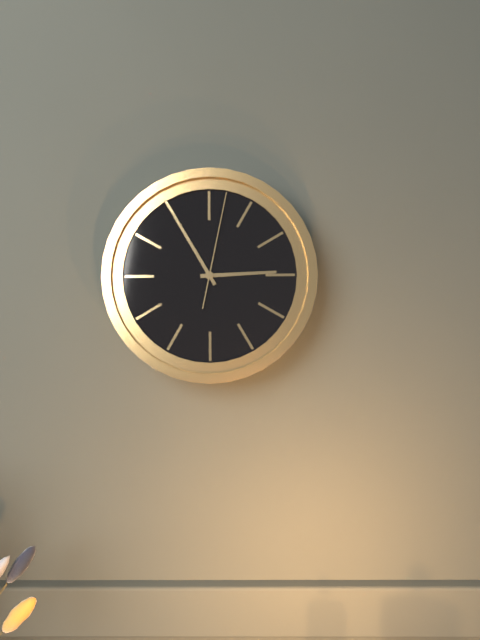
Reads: 2.55.02
